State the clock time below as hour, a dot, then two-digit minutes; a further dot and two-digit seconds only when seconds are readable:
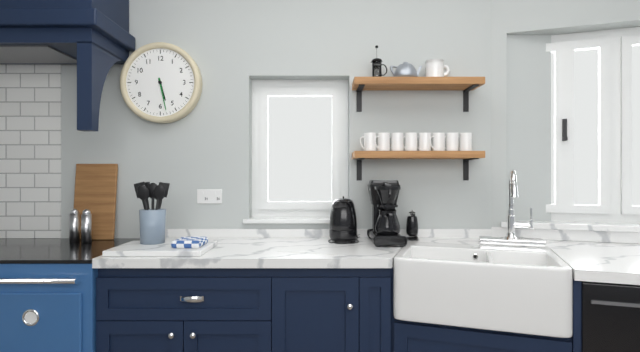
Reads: 5.28
